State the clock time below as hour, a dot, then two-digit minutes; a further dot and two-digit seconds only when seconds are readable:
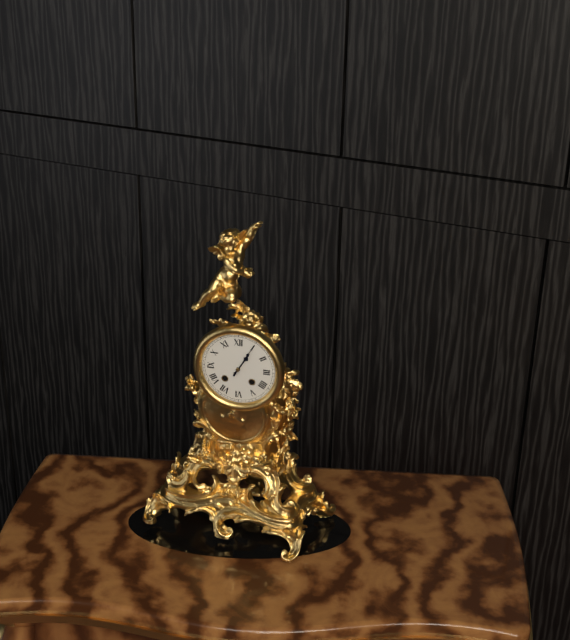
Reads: 1.05
